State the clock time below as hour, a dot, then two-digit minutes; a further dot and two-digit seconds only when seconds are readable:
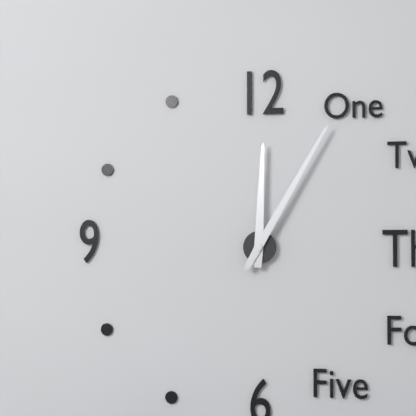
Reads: 12.05
